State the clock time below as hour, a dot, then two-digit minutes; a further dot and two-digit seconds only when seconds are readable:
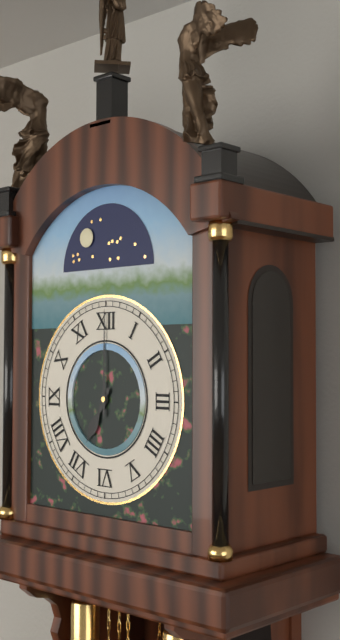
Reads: 7.00
